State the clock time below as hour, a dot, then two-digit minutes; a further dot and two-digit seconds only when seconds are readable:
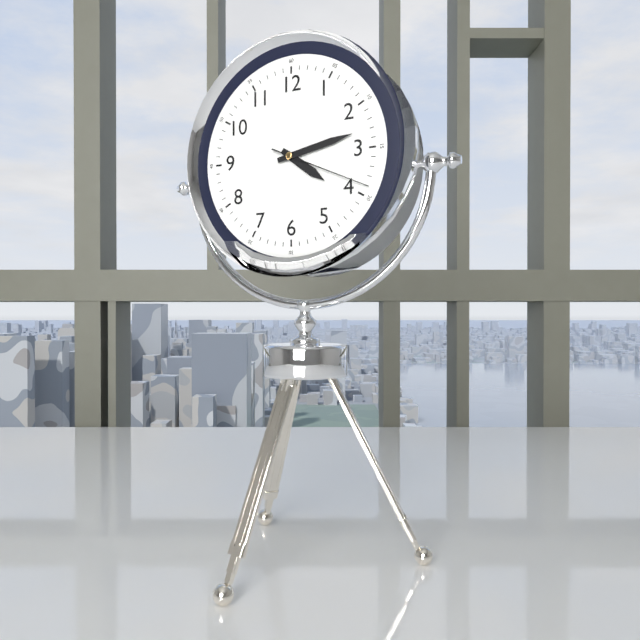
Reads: 4.13.19
